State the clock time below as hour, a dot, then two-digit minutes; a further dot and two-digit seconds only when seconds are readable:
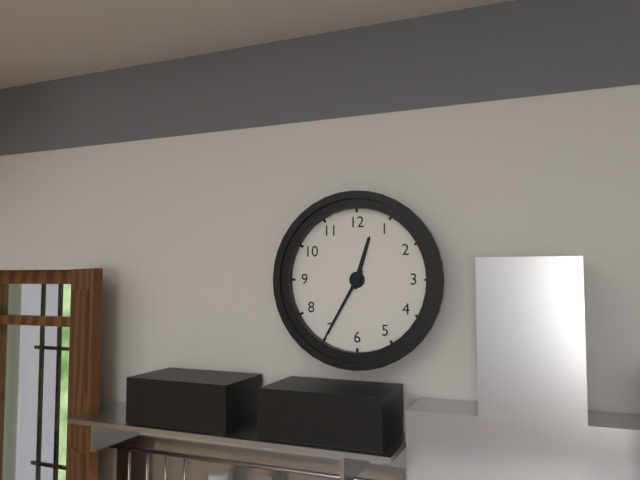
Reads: 12.35
